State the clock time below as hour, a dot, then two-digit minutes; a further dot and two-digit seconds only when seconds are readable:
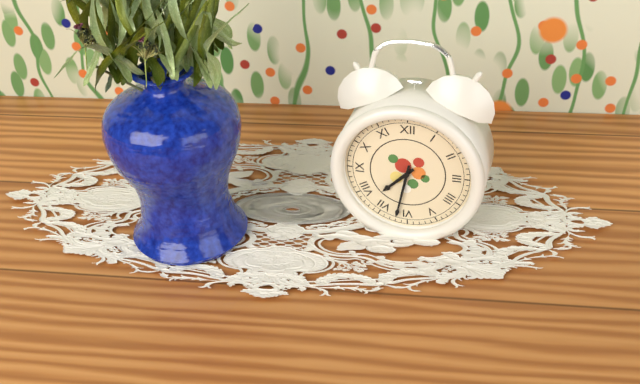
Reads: 7.32
